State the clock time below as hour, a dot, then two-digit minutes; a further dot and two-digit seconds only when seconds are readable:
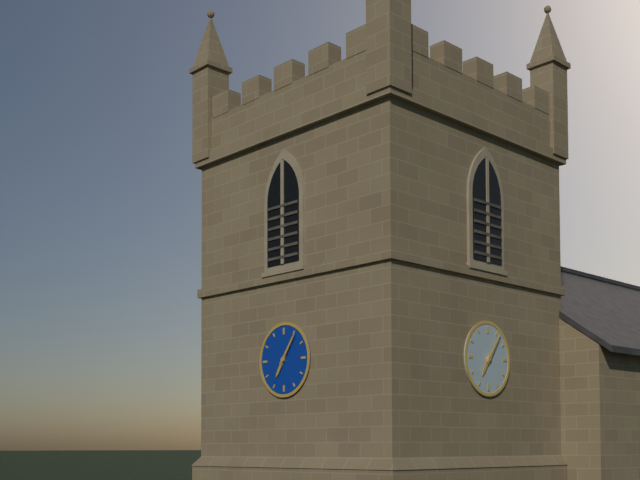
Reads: 7.06
